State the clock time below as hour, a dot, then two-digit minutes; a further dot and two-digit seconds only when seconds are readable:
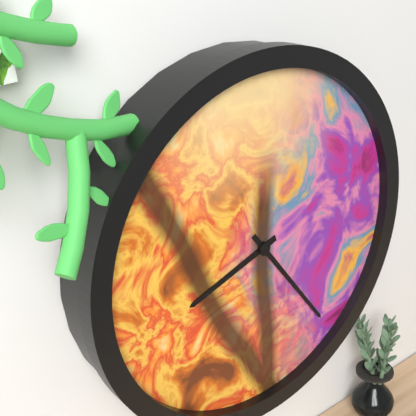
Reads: 8.24
